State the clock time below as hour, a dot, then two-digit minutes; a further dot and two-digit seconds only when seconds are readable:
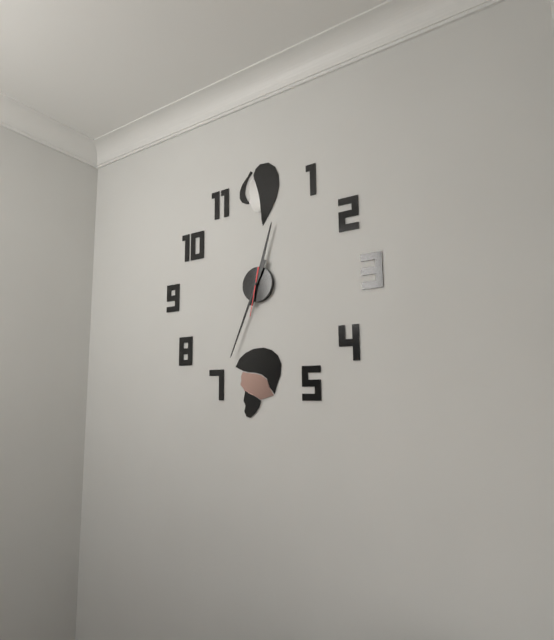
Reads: 12.34
